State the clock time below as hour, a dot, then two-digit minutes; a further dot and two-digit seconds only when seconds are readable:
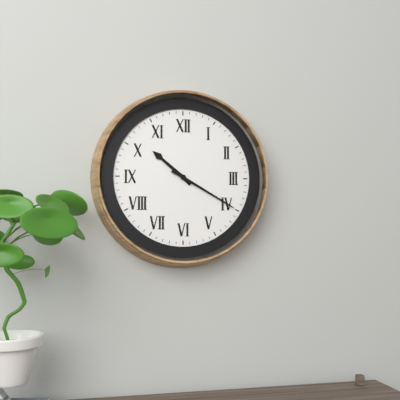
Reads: 10.20
